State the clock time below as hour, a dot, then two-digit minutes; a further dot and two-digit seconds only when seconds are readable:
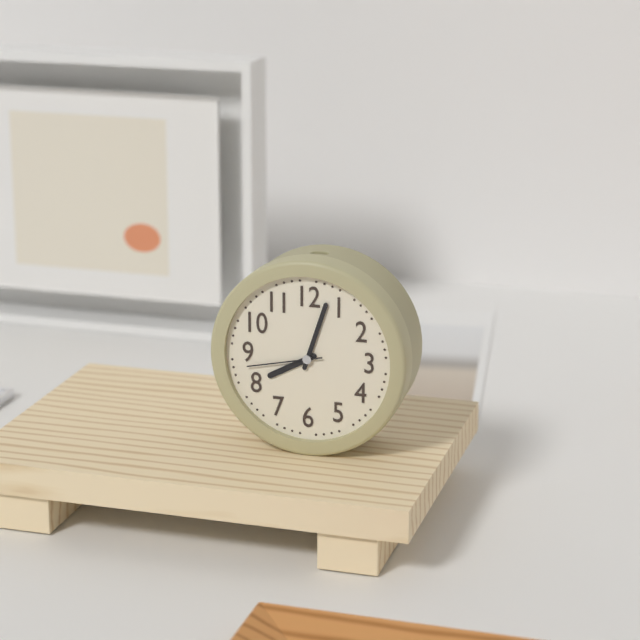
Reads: 8.03.43
